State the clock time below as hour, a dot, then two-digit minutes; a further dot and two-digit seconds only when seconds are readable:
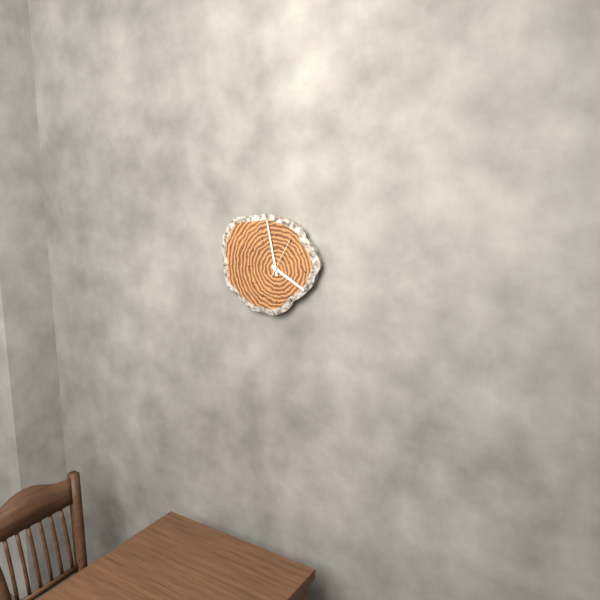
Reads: 3.58
